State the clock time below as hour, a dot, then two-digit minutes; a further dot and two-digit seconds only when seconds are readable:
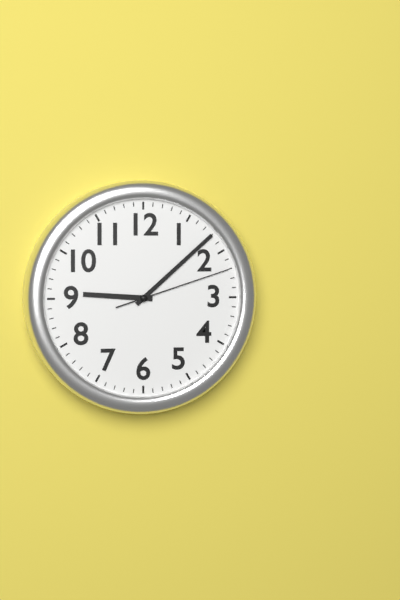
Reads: 9.08.12
